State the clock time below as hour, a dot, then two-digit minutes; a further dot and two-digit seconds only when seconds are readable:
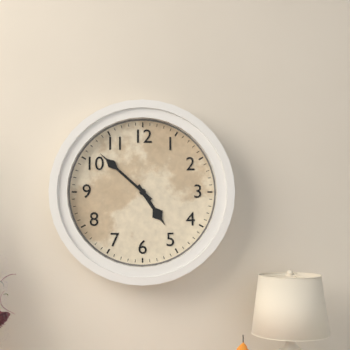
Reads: 4.52
